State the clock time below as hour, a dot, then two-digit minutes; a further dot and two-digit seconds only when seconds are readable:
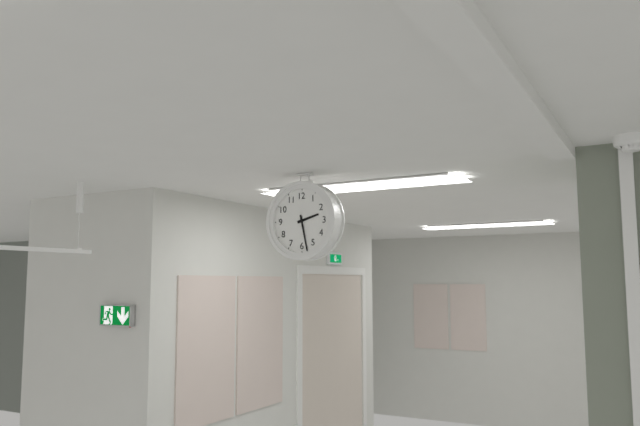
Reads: 2.28
